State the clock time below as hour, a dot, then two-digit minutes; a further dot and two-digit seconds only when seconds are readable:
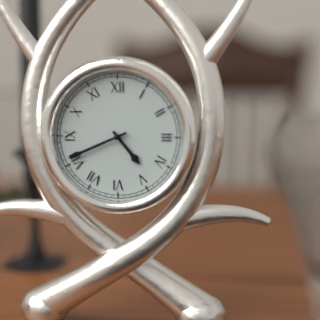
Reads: 4.41
